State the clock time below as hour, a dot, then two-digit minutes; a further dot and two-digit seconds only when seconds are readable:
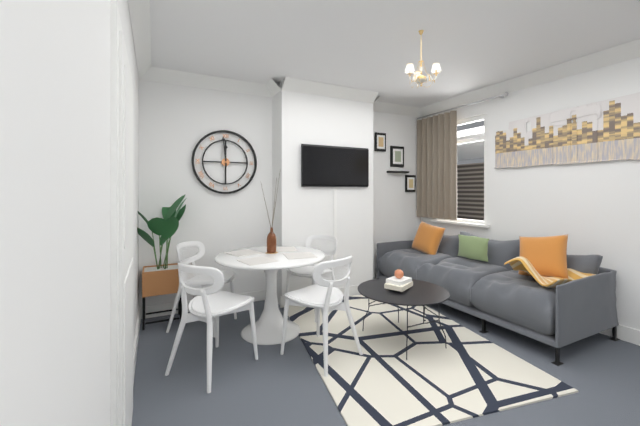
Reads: 11.59
